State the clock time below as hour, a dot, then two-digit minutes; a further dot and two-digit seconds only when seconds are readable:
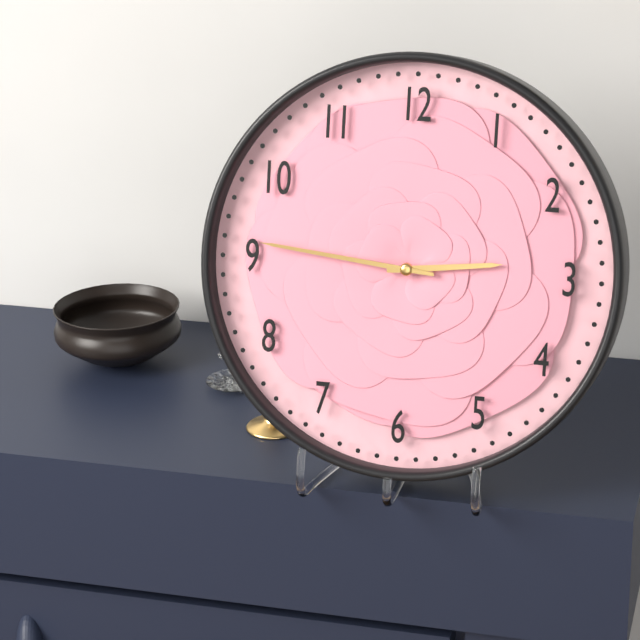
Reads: 2.46
